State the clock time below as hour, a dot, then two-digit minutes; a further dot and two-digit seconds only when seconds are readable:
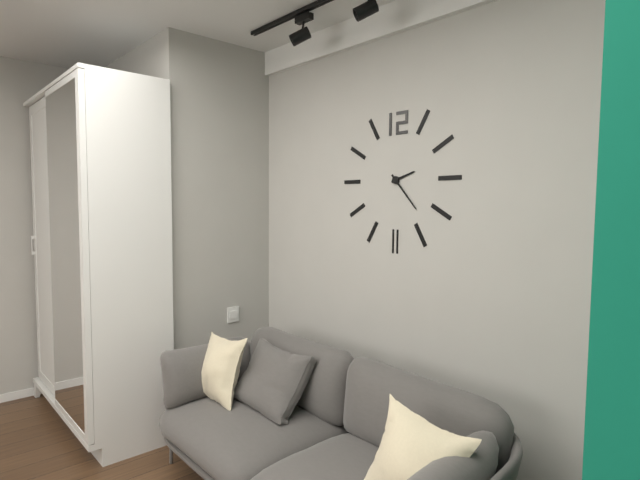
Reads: 2.23
